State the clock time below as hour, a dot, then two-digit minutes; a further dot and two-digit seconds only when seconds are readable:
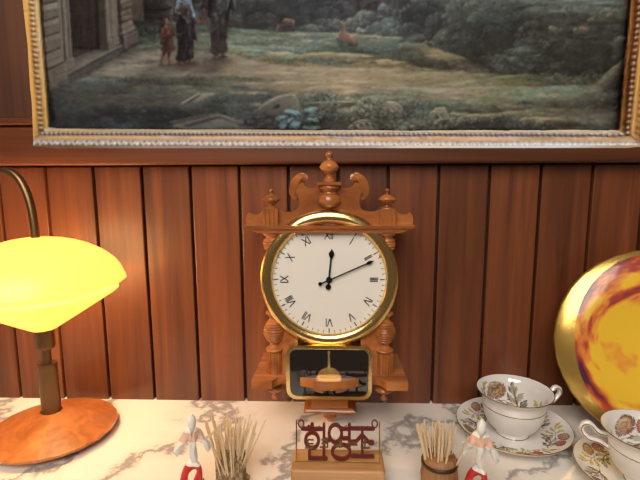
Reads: 12.11
